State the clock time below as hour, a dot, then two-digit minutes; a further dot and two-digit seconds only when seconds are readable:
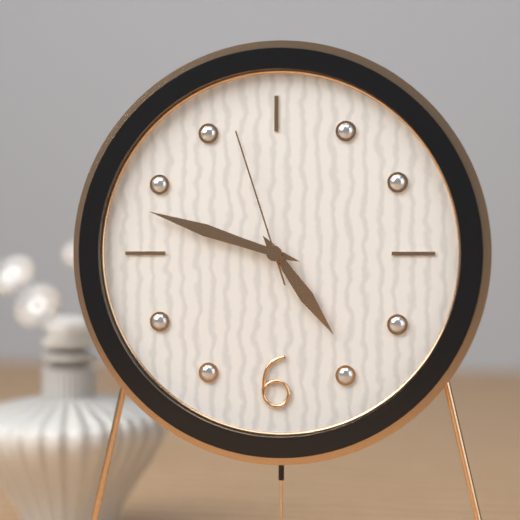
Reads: 4.48.57
